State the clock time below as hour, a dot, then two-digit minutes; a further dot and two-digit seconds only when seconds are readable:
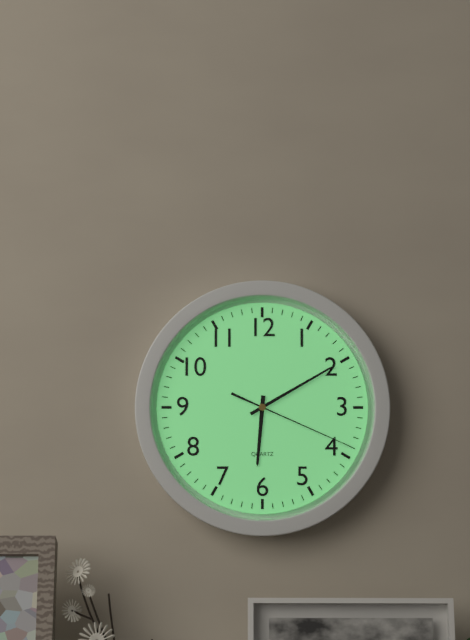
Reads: 6.10.19
